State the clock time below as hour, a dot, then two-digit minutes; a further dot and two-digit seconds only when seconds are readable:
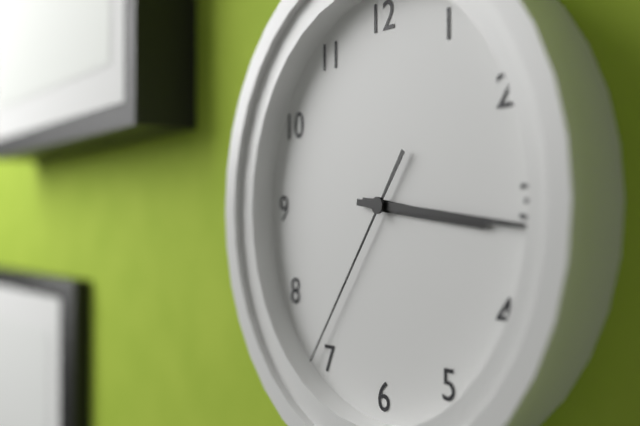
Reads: 3.16.36
